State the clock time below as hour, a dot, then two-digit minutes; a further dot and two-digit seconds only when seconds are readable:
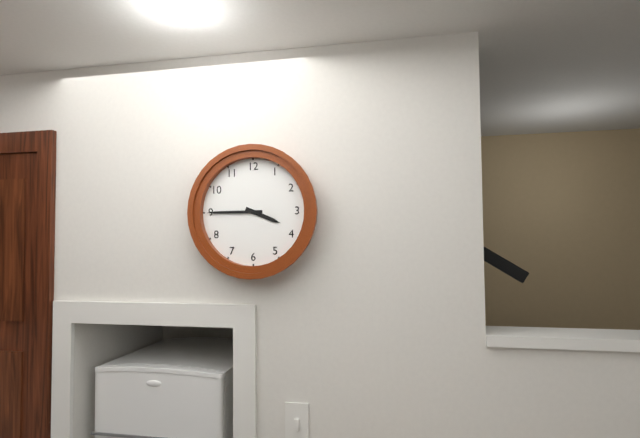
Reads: 3.45
